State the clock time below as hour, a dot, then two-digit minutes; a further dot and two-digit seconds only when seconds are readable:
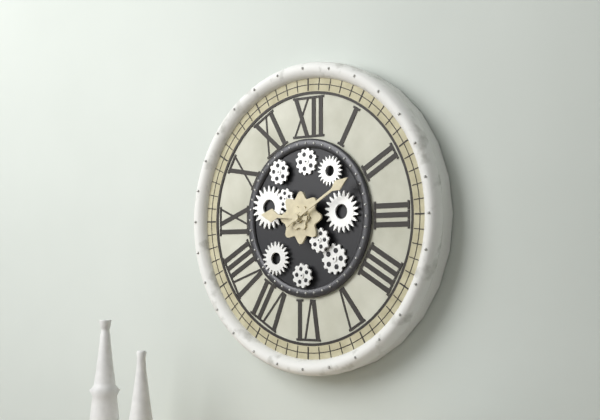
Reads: 9.10
